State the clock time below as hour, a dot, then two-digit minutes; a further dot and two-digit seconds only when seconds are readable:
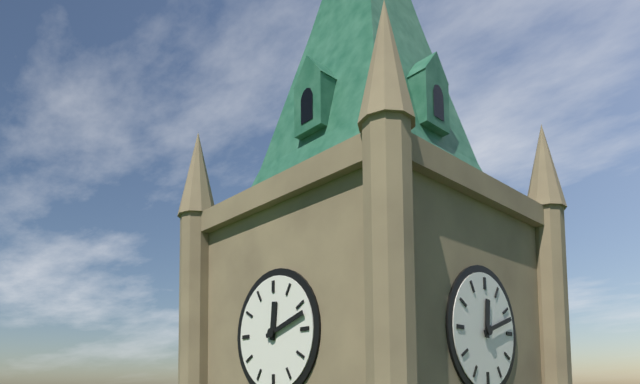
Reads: 12.12
